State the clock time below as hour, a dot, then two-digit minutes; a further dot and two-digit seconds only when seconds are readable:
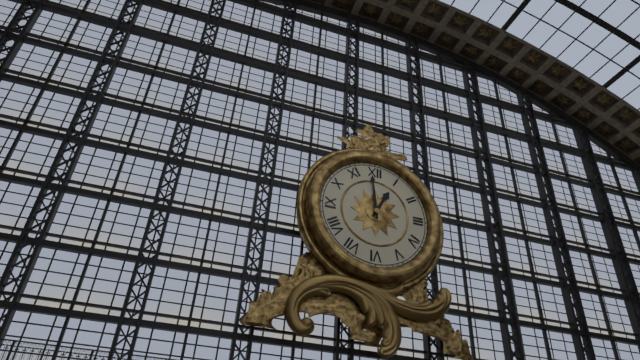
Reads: 12.59
